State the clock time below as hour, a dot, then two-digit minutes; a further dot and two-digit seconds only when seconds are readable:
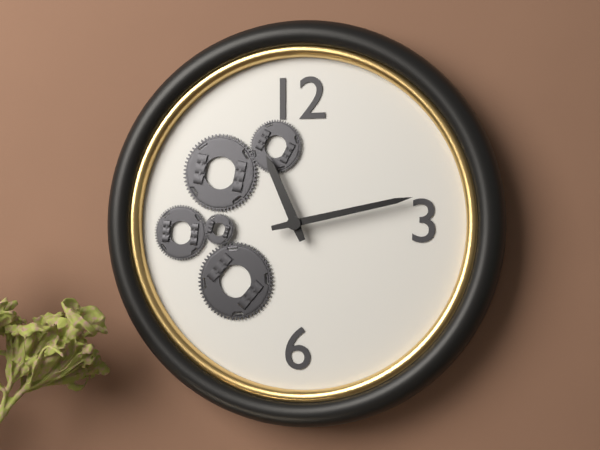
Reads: 11.13
